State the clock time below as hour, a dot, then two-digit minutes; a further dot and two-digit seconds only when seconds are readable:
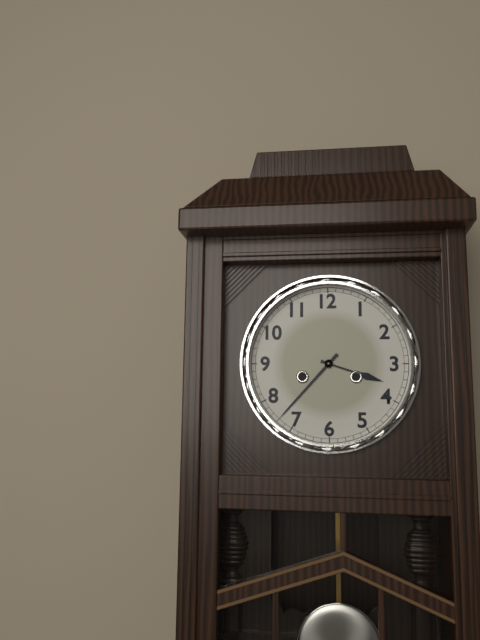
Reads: 3.37
